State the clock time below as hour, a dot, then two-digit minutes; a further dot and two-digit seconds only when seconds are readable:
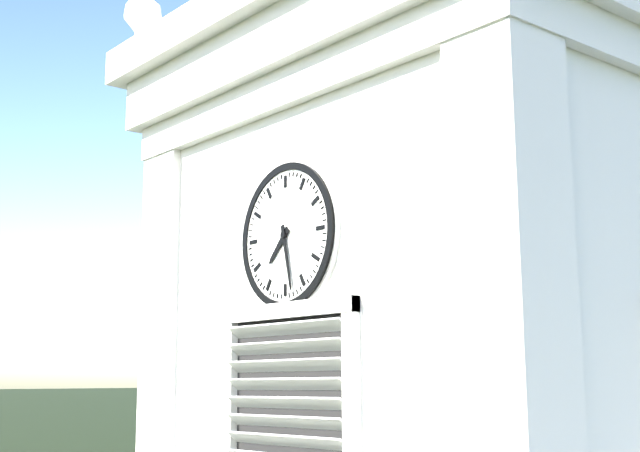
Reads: 7.28
